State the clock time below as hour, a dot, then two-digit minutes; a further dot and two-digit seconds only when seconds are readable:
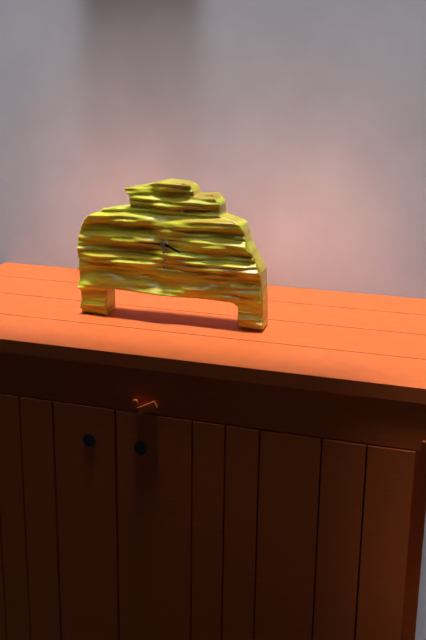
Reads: 3.45
